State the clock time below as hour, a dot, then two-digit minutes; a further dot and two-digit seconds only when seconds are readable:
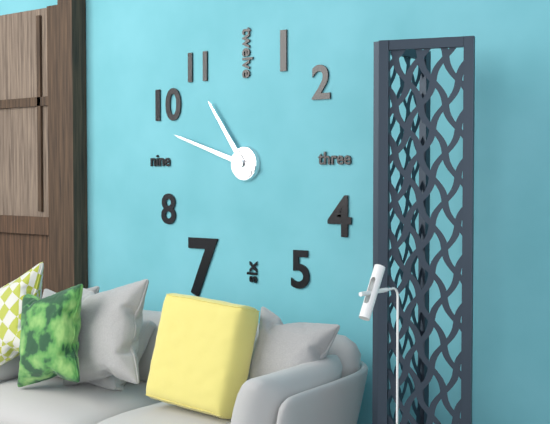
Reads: 10.48
